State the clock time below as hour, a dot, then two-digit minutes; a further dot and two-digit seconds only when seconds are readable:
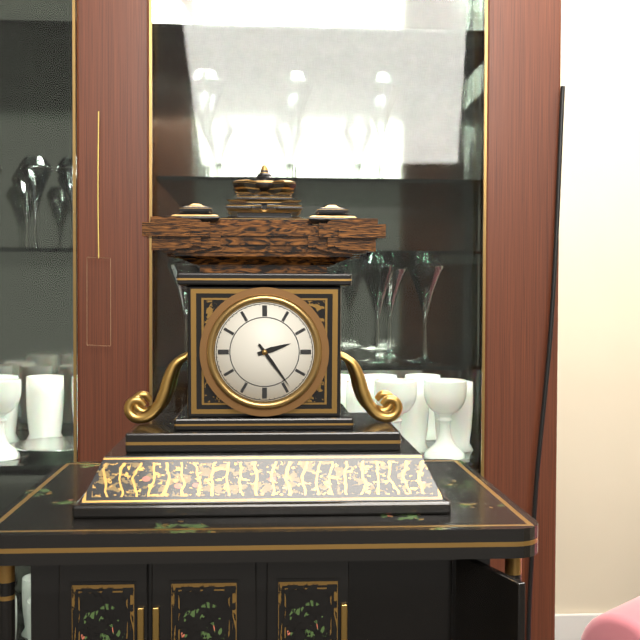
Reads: 2.24
